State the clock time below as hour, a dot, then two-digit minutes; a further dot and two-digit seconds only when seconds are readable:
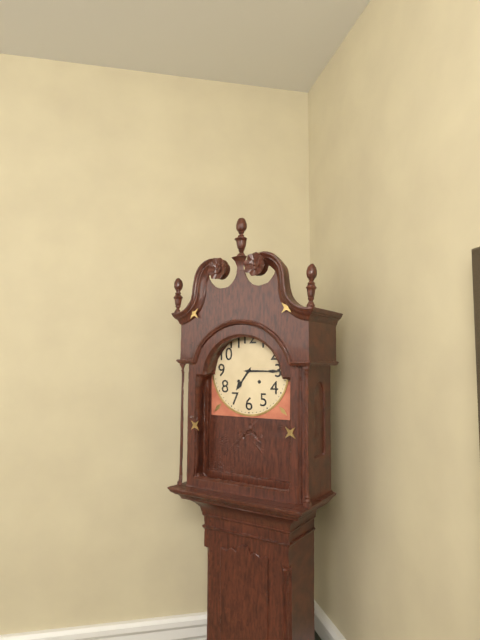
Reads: 7.15
